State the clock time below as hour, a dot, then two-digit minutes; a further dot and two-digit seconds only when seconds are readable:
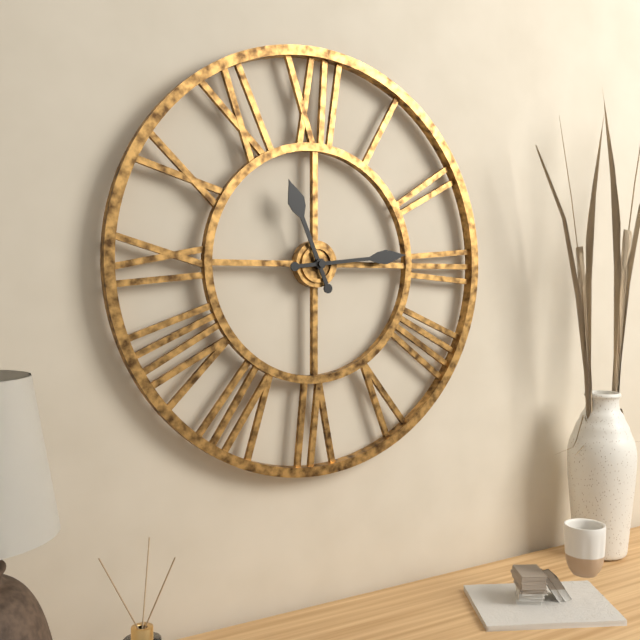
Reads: 11.14
